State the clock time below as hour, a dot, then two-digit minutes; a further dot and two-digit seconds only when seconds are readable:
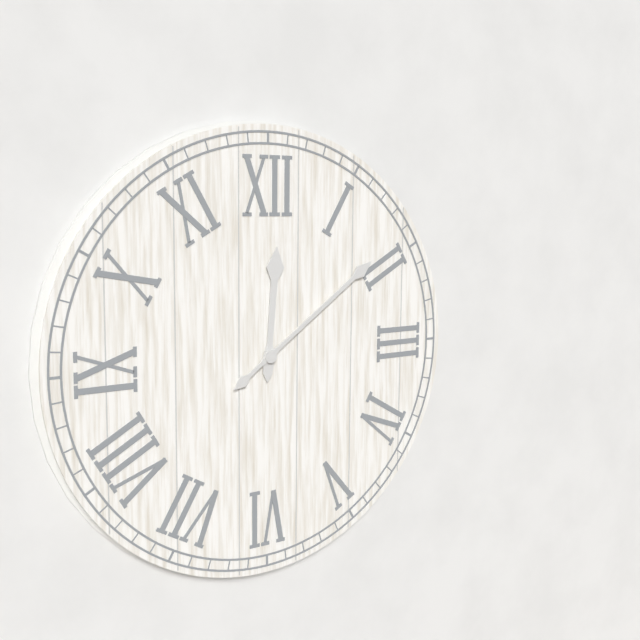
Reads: 12.09
